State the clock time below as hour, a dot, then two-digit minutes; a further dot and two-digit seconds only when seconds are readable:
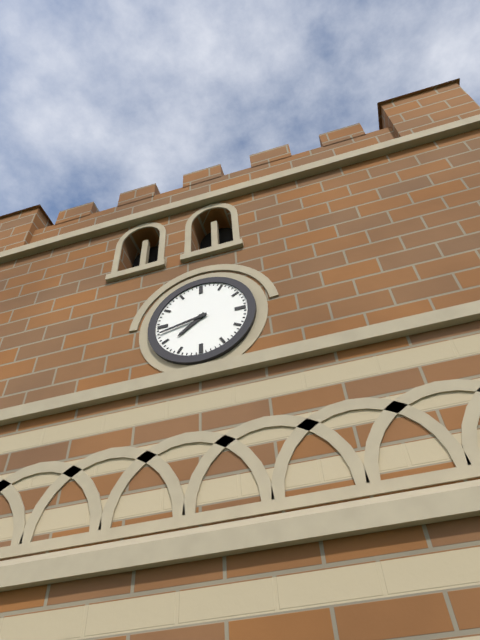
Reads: 7.43
